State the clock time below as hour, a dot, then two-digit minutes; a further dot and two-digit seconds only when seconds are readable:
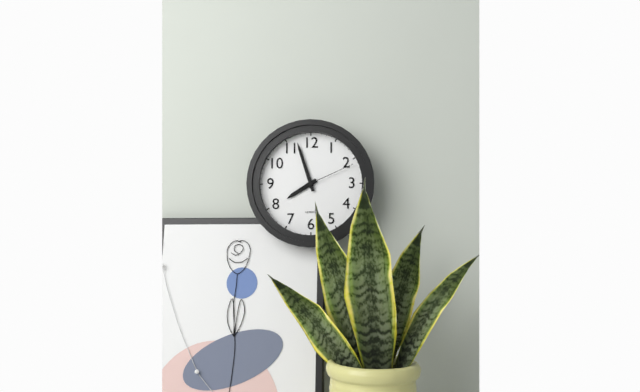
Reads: 7.57.11
